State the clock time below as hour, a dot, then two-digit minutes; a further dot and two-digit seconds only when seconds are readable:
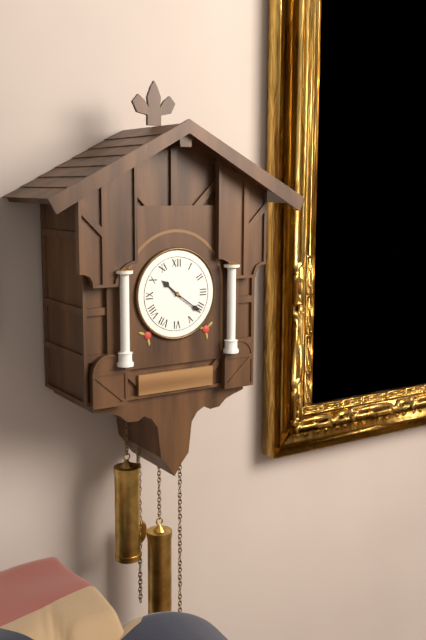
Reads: 10.21
